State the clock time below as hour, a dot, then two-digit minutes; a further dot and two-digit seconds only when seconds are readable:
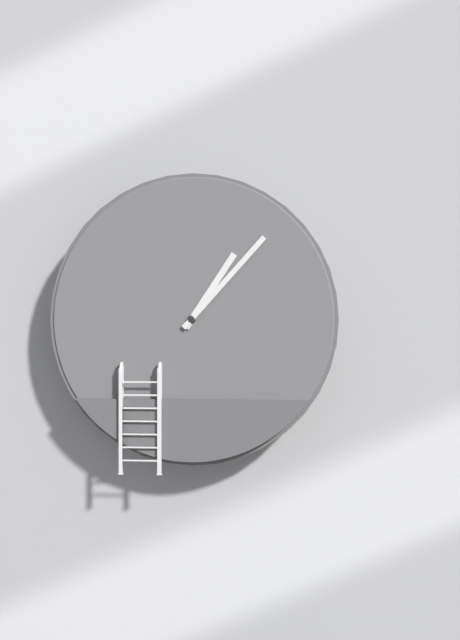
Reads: 1.07
